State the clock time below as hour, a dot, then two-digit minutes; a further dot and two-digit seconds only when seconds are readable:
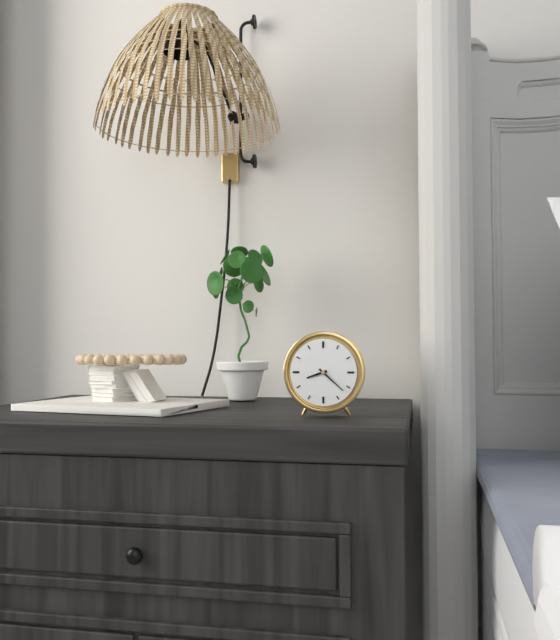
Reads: 8.22
